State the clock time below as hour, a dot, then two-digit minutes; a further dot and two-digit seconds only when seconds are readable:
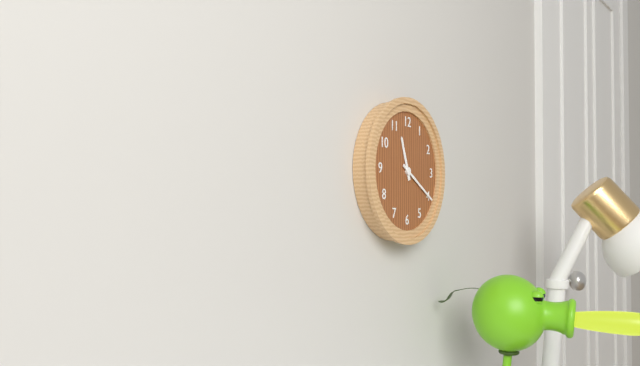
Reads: 11.20
